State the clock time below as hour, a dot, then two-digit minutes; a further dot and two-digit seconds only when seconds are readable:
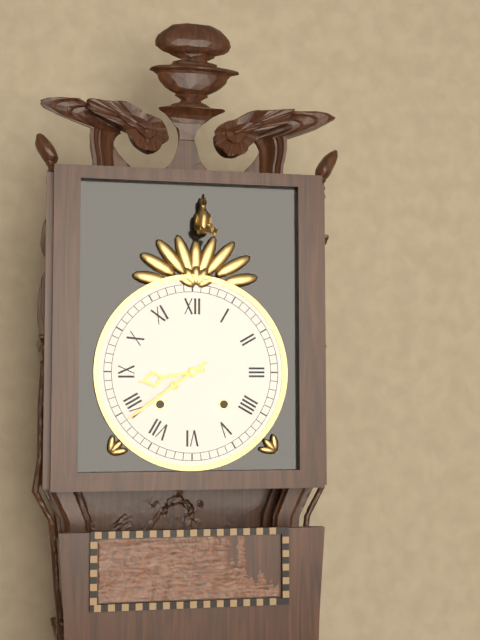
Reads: 8.39
